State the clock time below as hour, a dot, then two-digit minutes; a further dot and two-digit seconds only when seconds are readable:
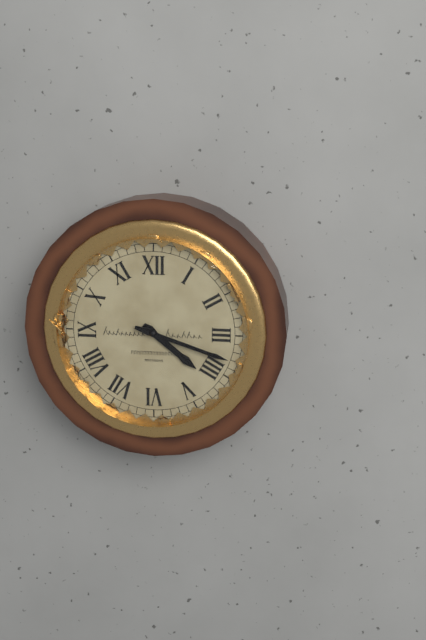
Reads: 4.18
